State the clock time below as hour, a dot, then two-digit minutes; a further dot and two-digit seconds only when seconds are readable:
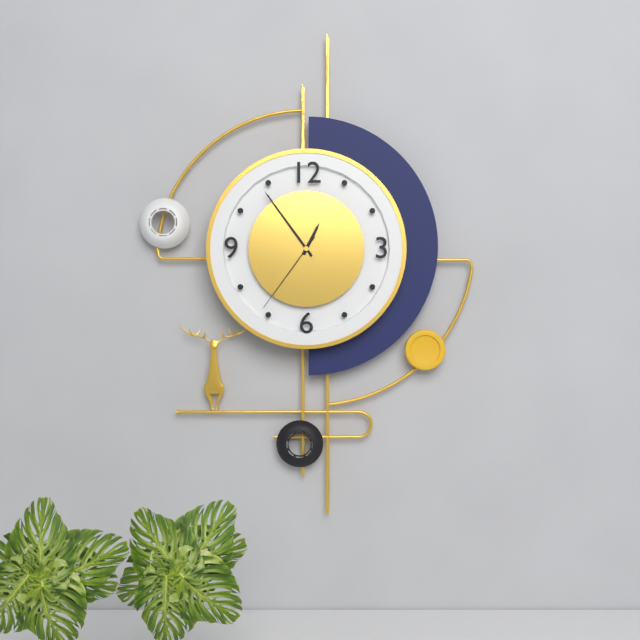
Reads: 12.54.36
